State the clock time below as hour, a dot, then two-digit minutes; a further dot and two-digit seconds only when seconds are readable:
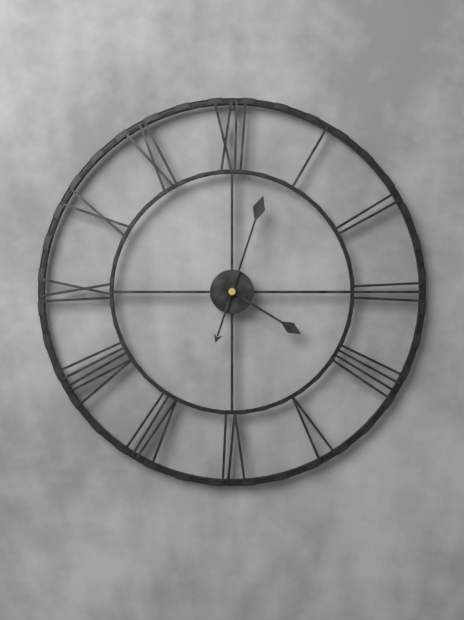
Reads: 4.03
